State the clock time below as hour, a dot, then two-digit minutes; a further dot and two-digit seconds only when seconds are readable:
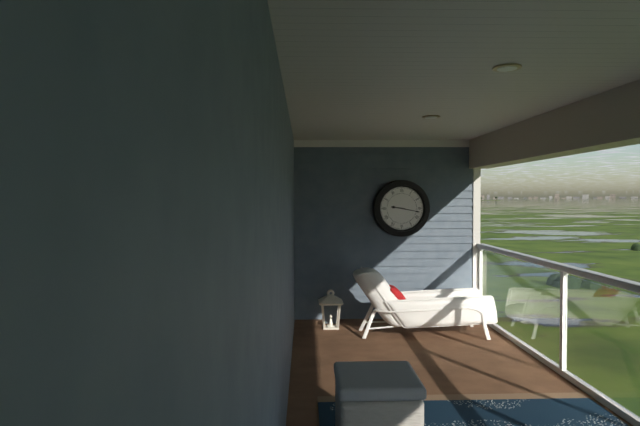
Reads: 9.17
